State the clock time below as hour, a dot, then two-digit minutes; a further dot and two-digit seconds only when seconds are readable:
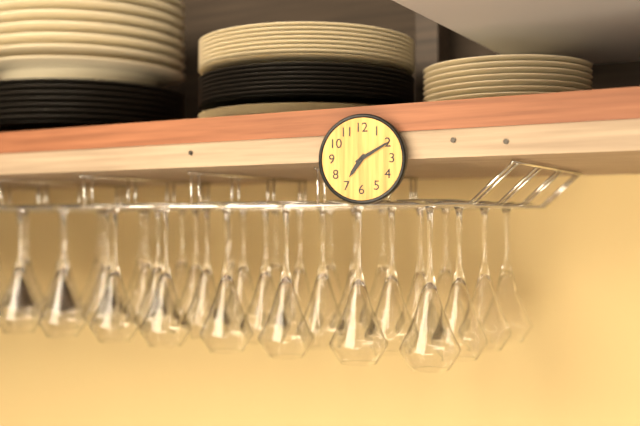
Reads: 7.10
